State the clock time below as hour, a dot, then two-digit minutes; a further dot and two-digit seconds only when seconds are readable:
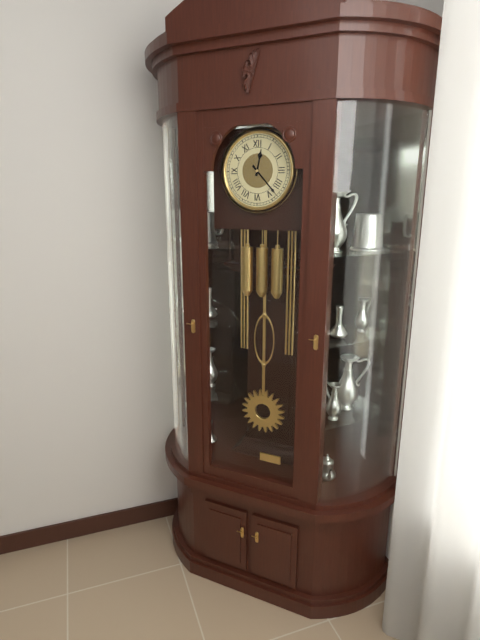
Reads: 12.23
